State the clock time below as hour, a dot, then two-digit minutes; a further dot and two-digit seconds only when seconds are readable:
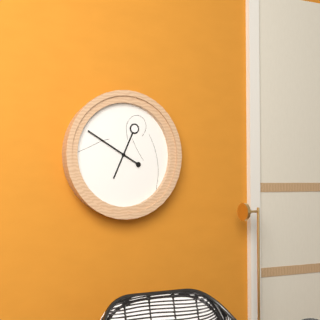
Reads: 6.50
